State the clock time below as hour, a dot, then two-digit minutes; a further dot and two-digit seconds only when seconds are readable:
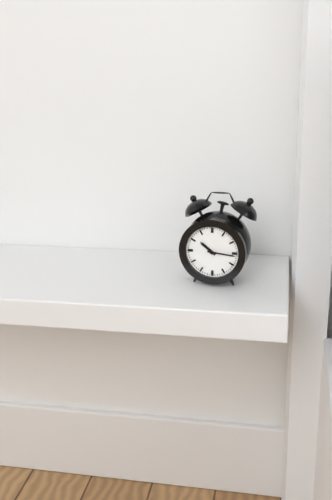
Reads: 10.16
